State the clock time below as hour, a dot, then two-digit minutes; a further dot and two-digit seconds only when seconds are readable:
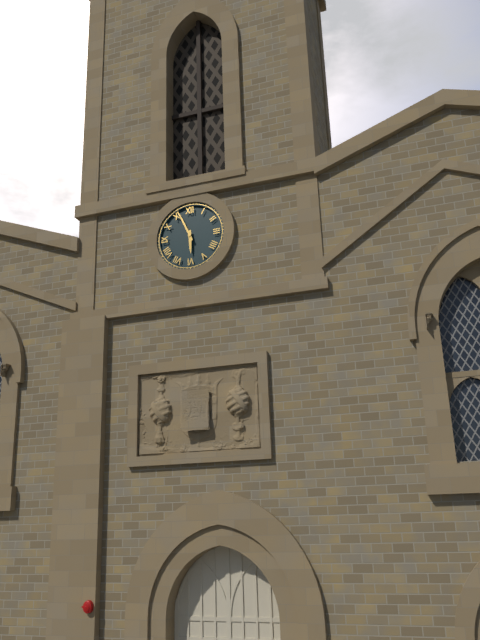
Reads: 5.56
